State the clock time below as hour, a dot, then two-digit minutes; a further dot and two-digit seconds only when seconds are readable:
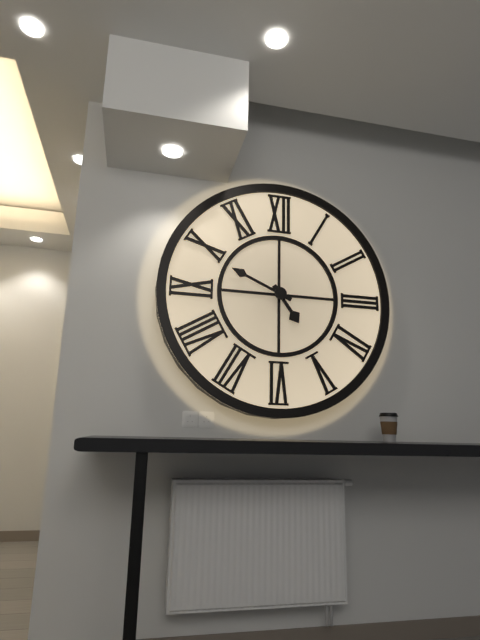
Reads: 4.49
